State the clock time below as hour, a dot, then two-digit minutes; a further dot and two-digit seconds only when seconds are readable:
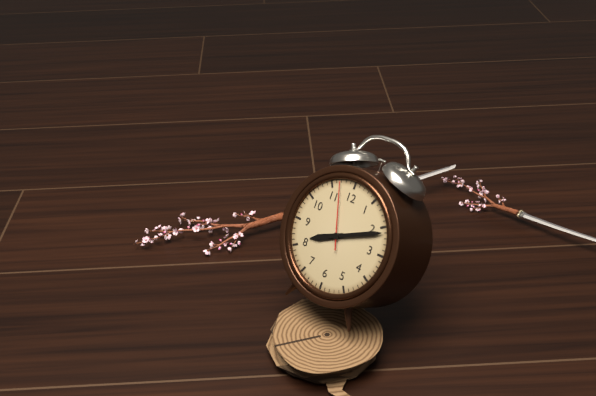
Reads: 8.11.57
